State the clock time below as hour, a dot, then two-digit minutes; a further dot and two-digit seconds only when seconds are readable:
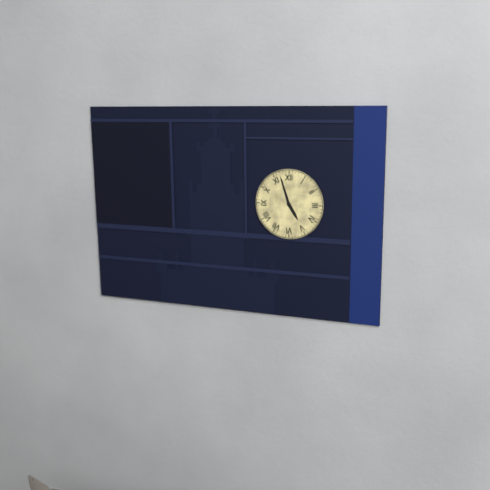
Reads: 4.57
